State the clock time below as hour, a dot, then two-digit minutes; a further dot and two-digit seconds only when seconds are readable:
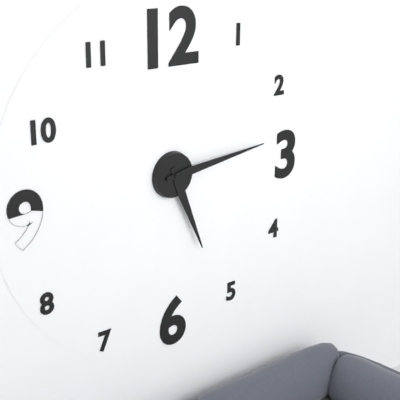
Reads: 5.14
